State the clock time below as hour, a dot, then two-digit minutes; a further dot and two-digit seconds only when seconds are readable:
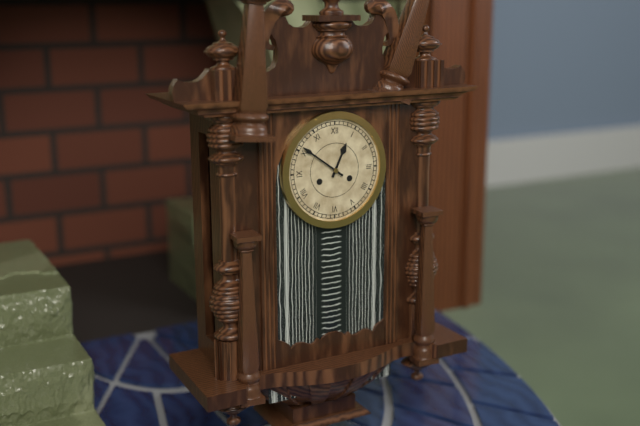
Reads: 12.51
